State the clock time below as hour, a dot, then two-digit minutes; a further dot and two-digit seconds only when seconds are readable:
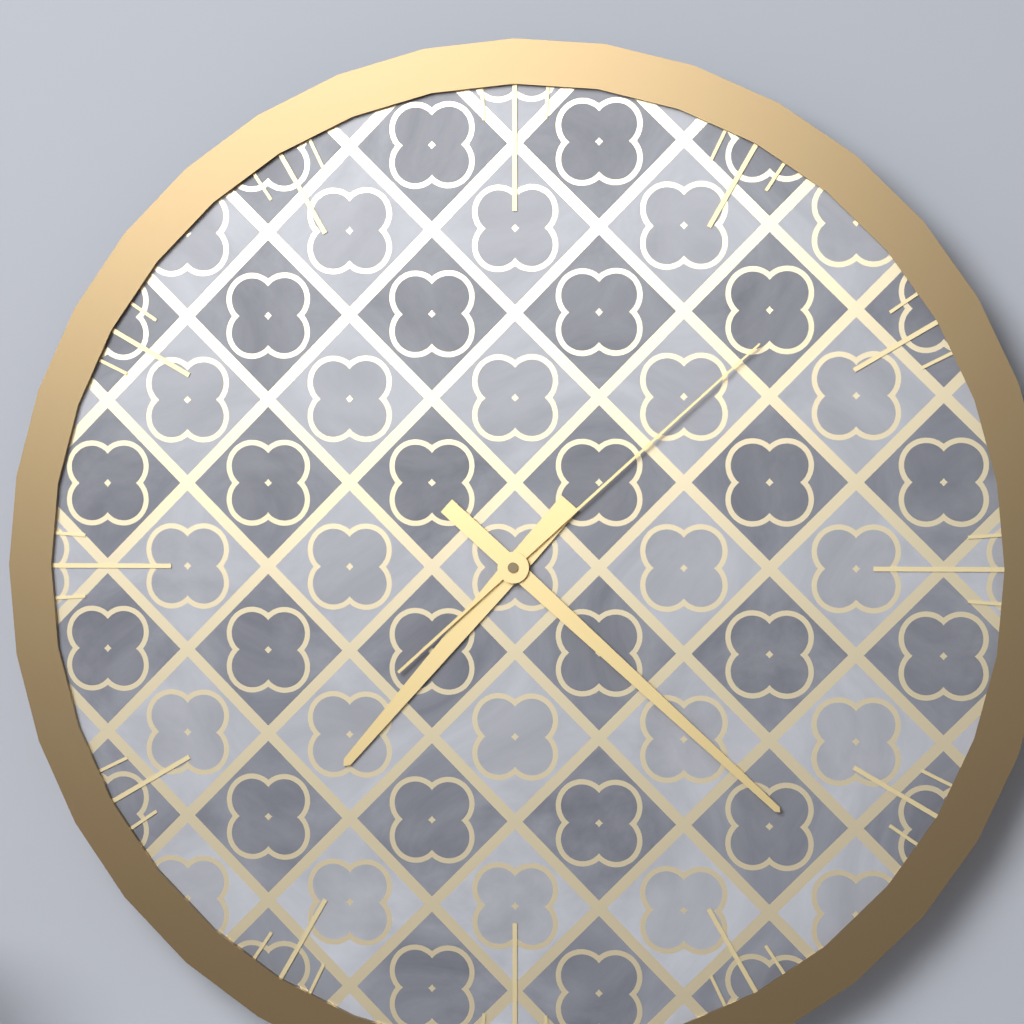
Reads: 7.22.08
